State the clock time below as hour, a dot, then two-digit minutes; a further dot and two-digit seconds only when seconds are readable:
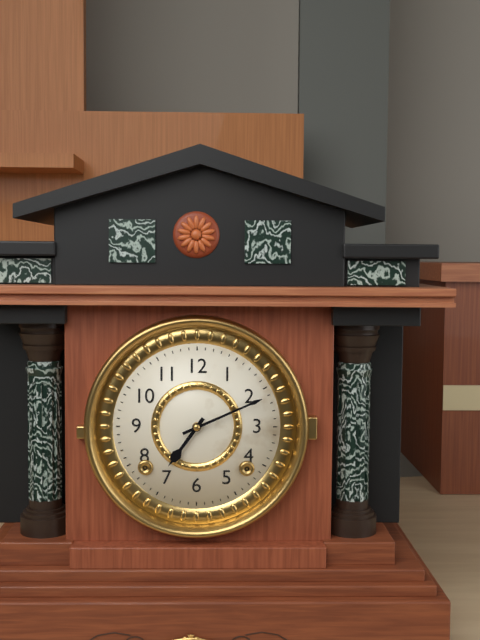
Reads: 7.11
